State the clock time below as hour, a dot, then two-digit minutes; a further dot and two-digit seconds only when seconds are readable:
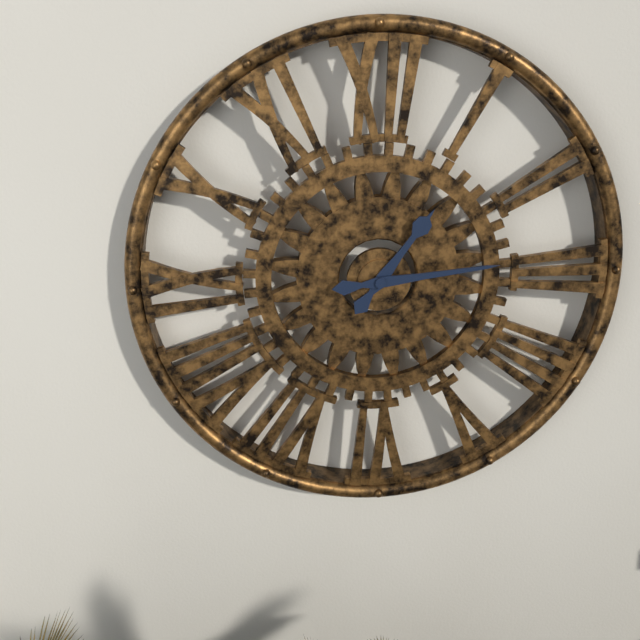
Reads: 1.14
